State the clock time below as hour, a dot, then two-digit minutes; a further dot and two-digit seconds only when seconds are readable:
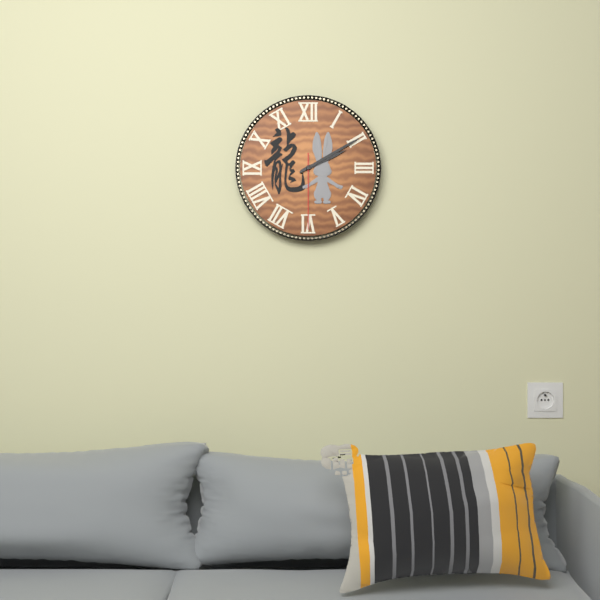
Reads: 2.10.30
